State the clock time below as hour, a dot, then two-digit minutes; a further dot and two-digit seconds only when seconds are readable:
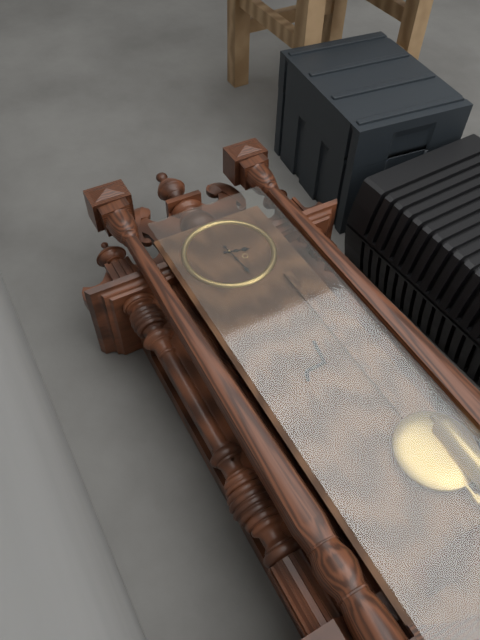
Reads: 3.29
